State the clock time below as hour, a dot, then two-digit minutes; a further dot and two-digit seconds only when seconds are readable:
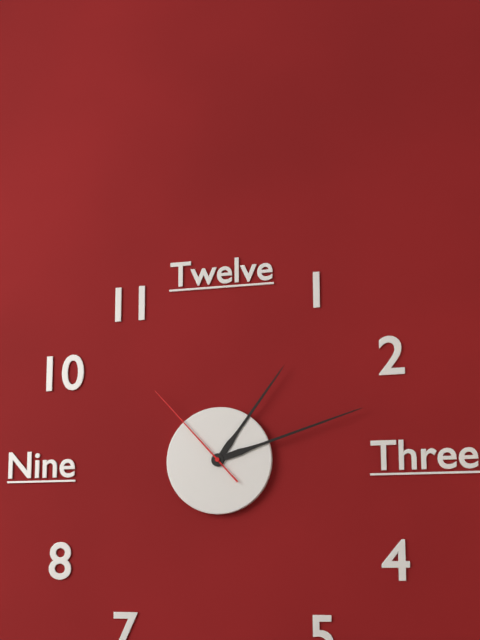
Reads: 1.12.53
